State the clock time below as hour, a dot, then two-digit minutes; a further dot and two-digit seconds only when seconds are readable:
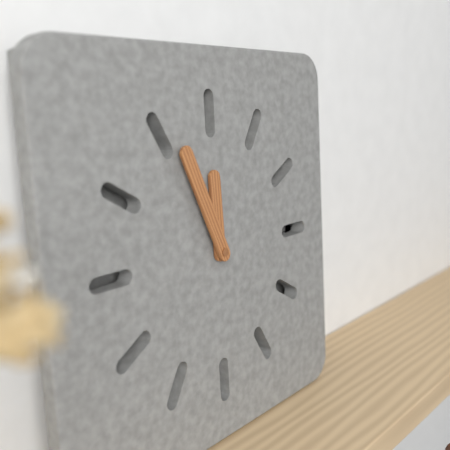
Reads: 11.56
